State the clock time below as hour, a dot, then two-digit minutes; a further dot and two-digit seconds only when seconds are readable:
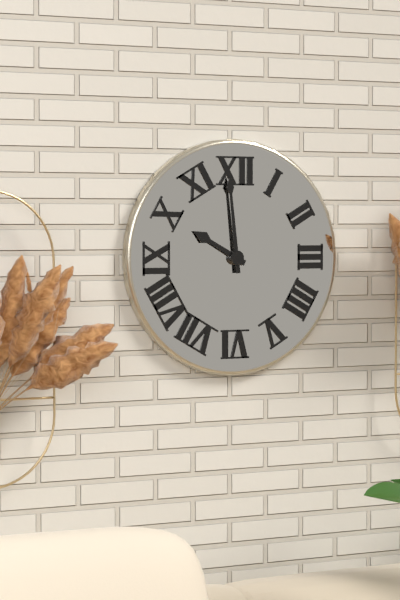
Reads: 9.59
